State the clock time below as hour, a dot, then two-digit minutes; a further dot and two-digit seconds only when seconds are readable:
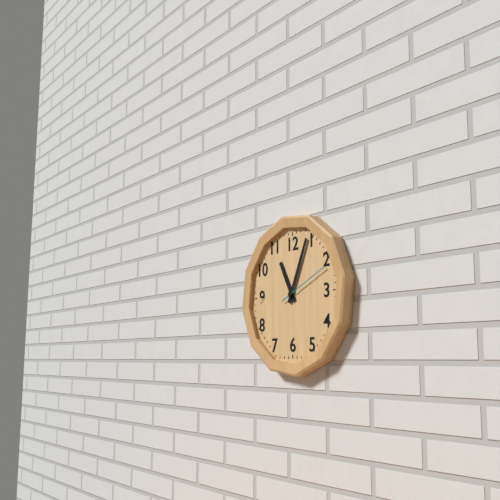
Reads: 11.04.11
